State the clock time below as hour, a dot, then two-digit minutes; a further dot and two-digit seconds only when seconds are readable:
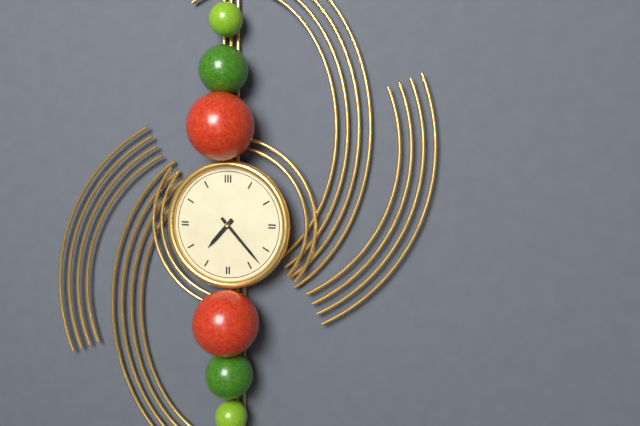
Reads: 7.23
